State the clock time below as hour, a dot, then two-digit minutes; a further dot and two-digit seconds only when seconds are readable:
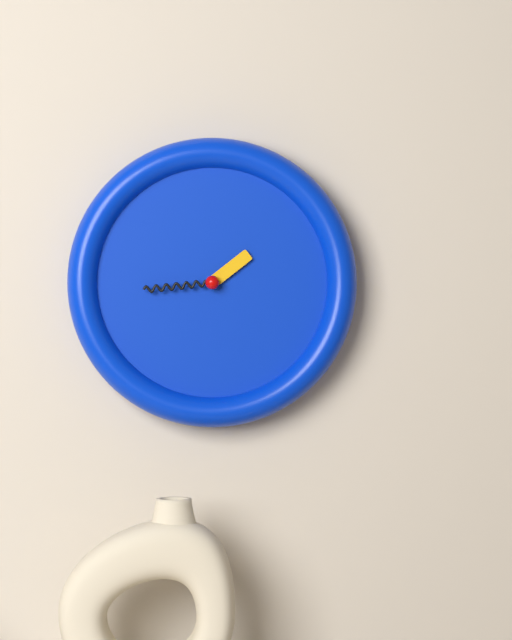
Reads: 1.44
